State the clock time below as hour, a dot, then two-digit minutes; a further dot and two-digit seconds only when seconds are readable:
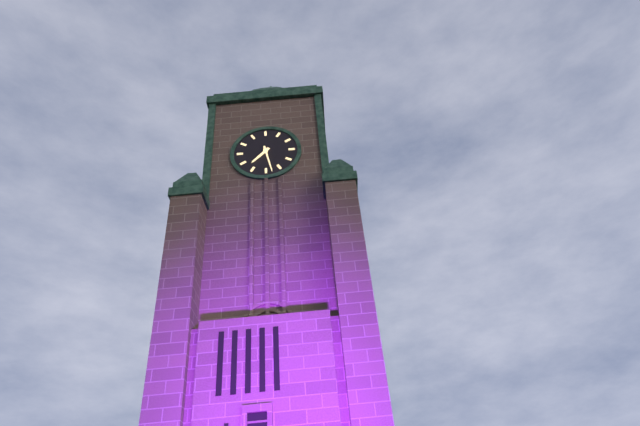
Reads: 7.28
